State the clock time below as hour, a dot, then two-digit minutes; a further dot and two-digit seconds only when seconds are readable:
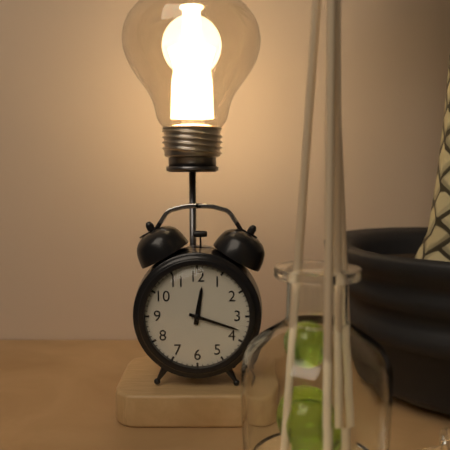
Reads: 12.18
